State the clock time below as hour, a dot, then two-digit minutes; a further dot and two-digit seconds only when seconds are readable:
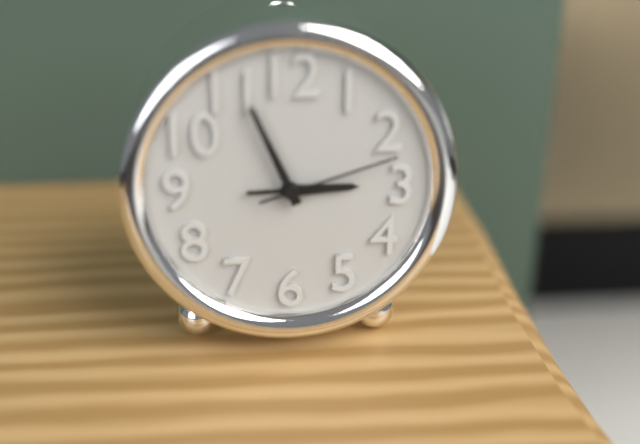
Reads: 2.56.12
